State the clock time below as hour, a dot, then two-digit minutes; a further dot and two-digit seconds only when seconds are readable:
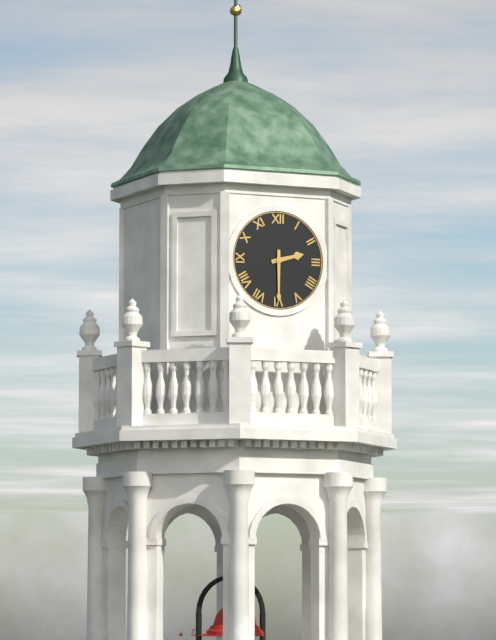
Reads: 2.30
